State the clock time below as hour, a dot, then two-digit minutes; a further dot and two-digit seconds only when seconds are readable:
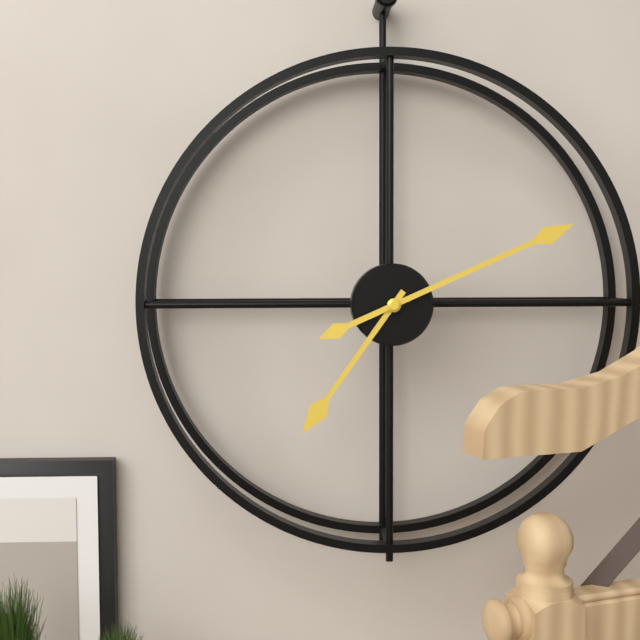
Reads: 7.11
